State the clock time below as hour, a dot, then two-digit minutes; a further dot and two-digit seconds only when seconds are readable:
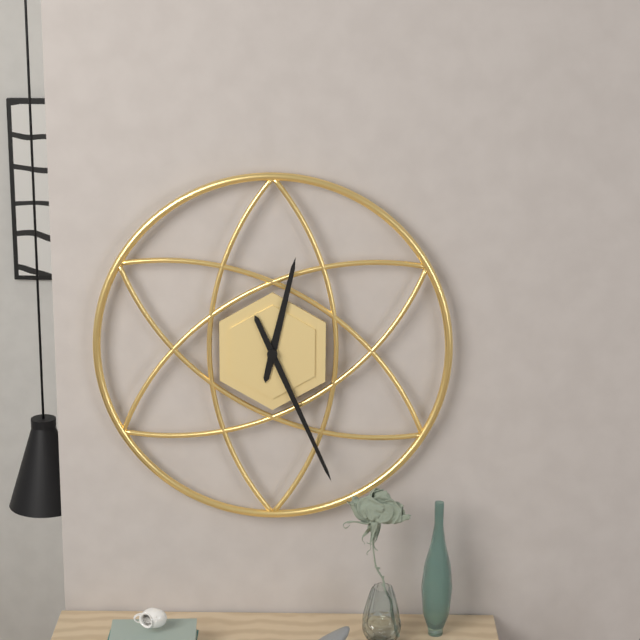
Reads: 12.26
